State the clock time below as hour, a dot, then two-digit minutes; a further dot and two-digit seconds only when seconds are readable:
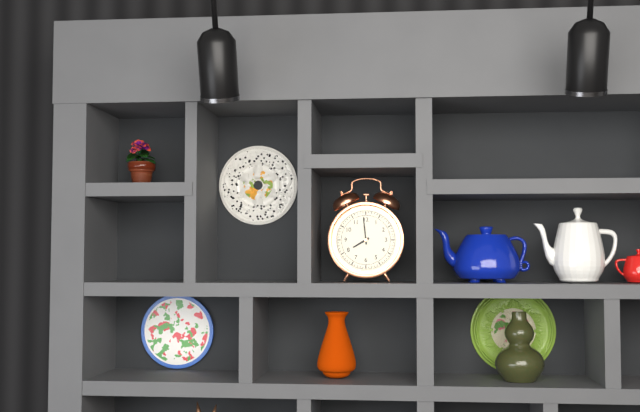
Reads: 7.59
